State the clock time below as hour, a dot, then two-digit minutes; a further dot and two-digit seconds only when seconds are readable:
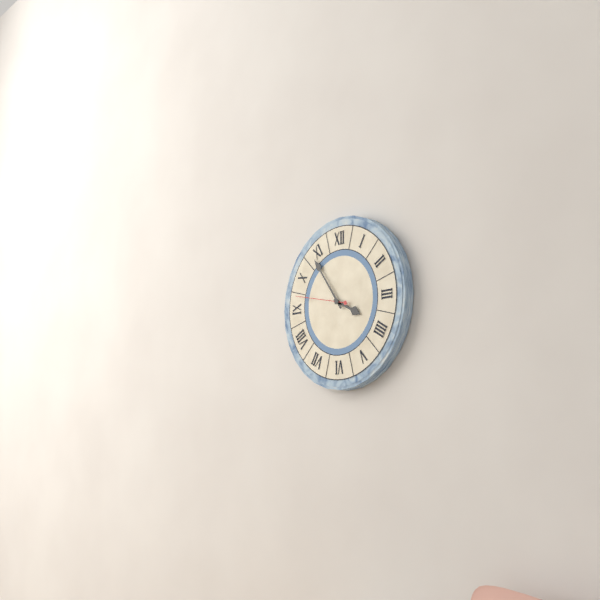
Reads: 3.54.47
